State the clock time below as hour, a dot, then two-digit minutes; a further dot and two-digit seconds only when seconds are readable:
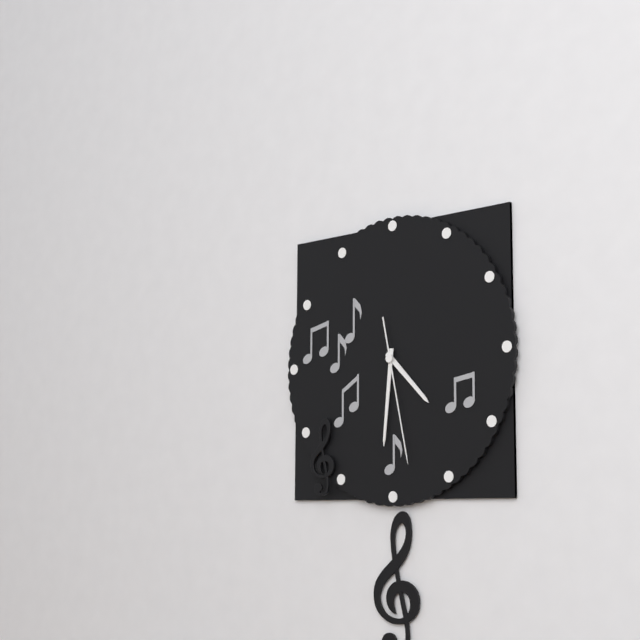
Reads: 4.31.28
